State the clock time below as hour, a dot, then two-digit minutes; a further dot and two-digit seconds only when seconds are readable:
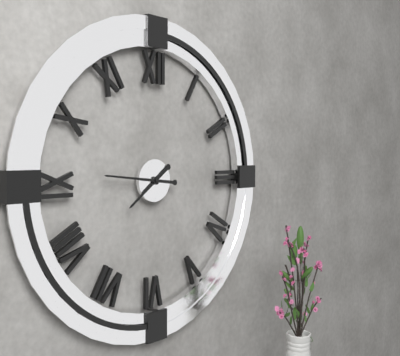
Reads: 7.46
